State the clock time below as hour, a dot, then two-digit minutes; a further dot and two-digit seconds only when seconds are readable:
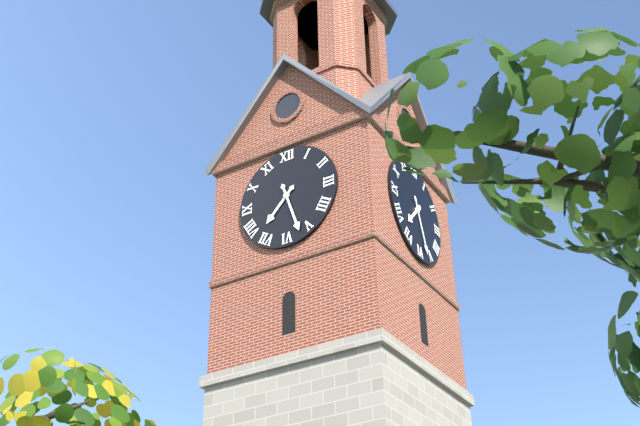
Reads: 7.27
